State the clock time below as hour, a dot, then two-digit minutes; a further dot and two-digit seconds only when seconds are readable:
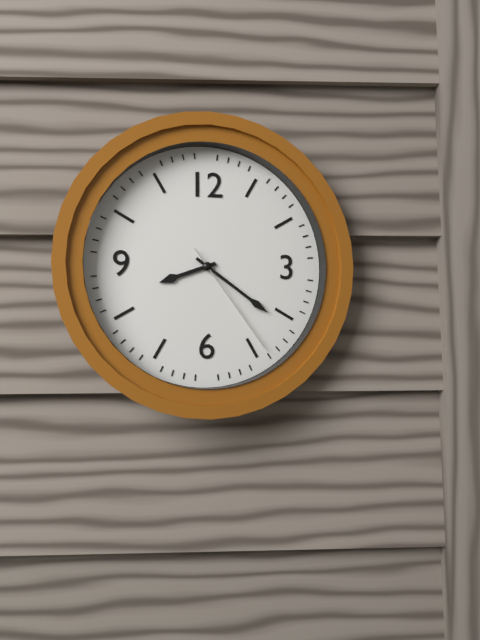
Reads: 8.21.24
